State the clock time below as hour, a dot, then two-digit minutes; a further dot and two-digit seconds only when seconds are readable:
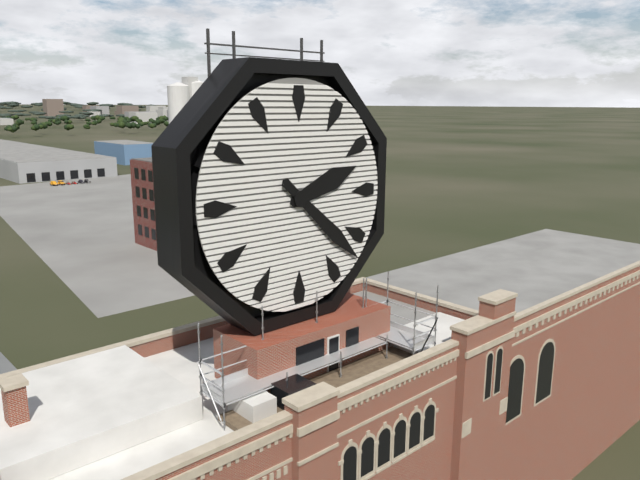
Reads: 2.22
